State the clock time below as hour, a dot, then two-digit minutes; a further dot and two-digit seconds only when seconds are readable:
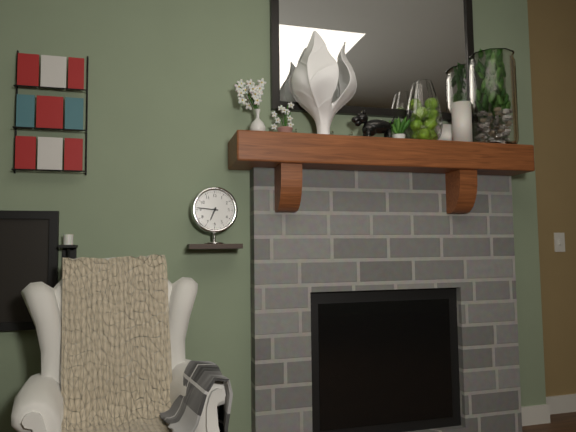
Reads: 6.46
